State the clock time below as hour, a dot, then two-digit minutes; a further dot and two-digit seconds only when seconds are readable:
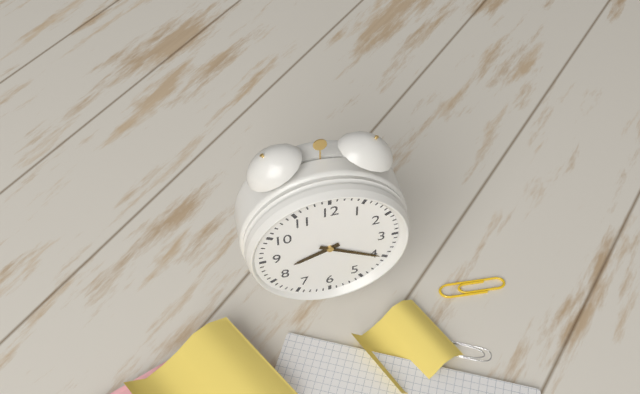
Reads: 8.20
